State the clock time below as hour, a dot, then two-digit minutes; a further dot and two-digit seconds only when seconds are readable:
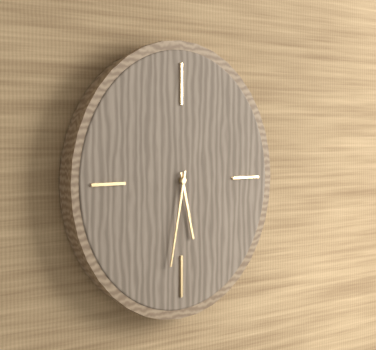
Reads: 5.32
